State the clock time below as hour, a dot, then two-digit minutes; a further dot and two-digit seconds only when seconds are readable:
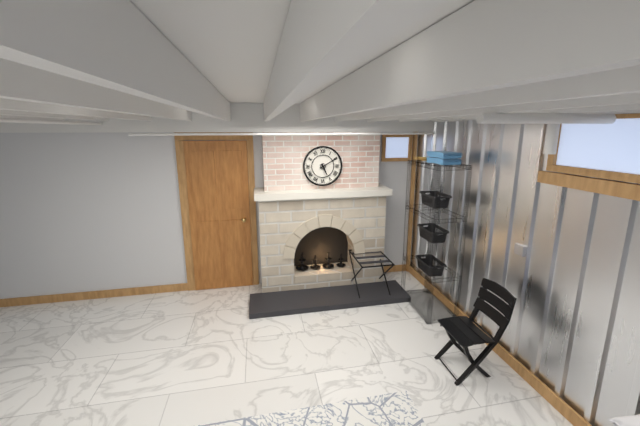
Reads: 5.10
